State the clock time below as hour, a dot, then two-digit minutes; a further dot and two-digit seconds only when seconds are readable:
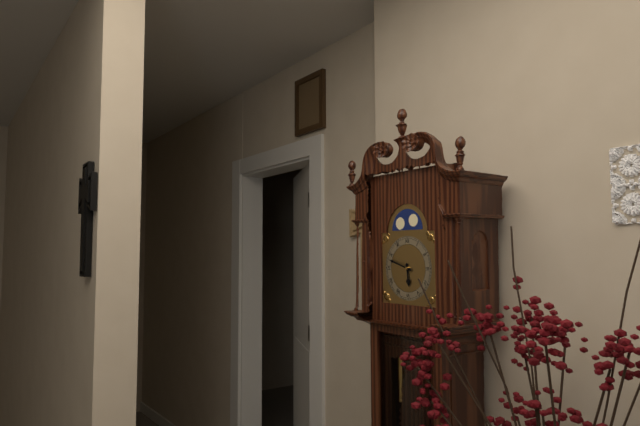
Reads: 5.48
